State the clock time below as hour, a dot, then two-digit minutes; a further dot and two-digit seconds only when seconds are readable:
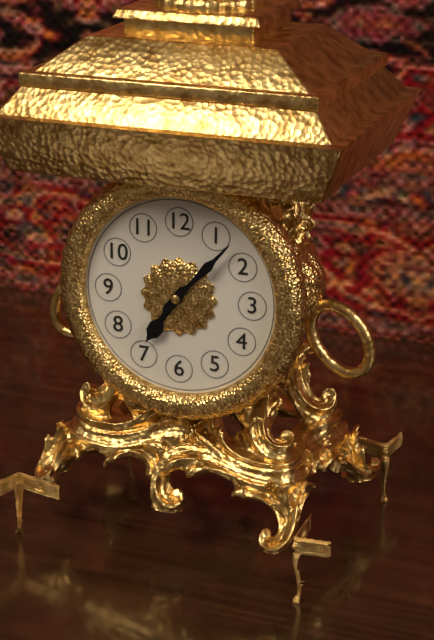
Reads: 7.07
